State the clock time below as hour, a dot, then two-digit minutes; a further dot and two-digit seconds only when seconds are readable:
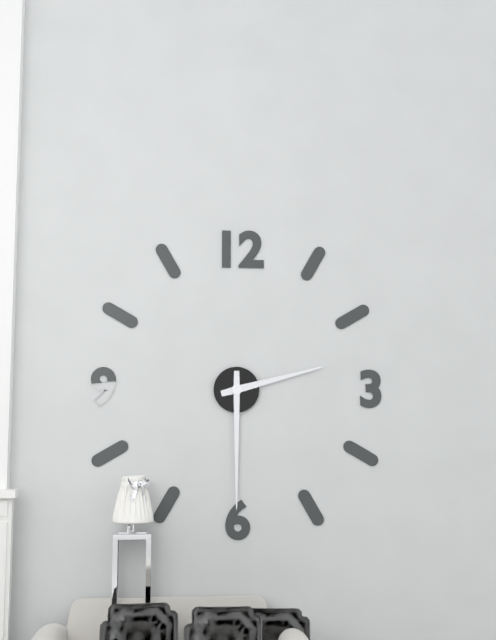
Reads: 2.30
